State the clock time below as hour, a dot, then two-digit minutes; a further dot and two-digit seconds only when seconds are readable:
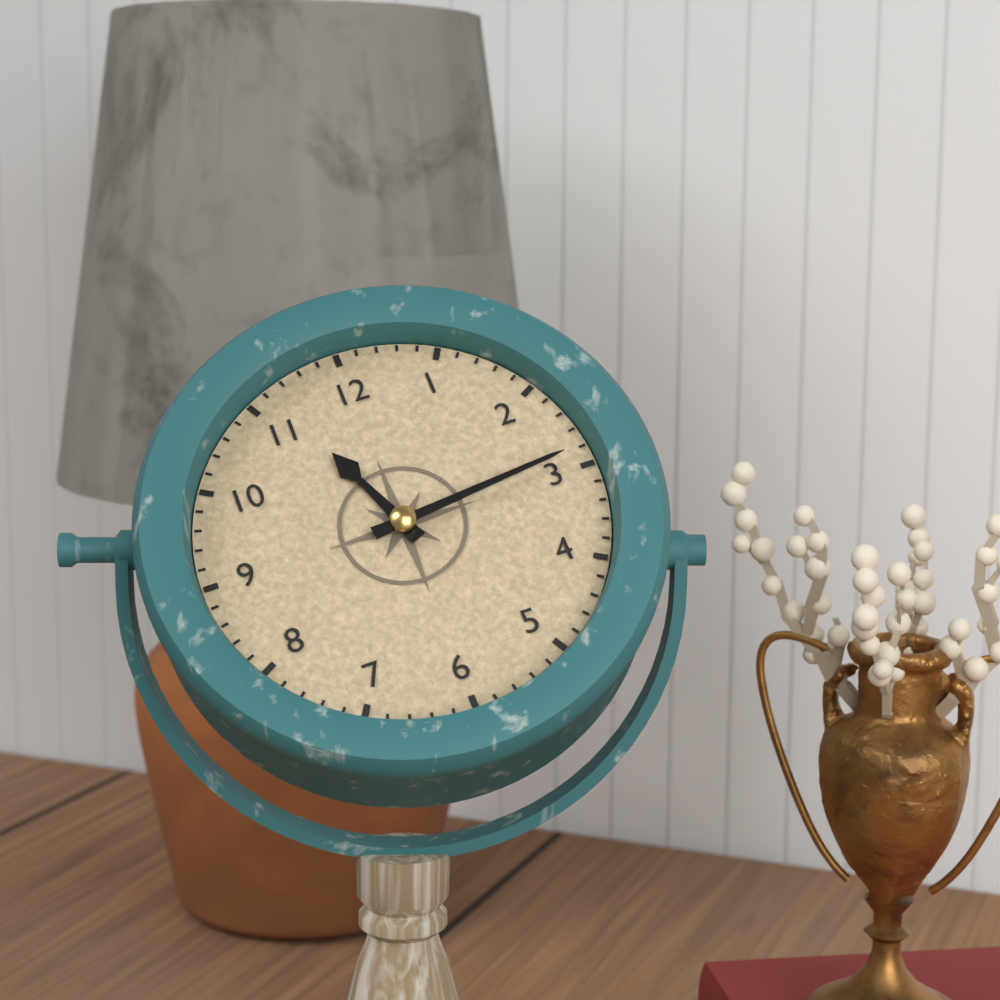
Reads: 11.14
